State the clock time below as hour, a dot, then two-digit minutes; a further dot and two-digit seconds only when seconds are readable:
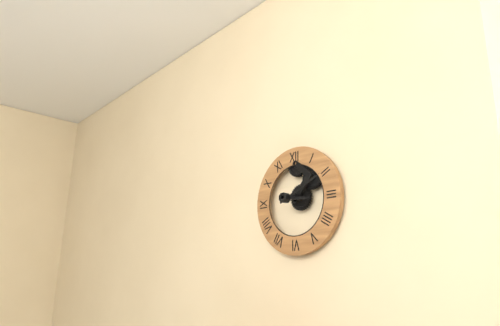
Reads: 3.11
